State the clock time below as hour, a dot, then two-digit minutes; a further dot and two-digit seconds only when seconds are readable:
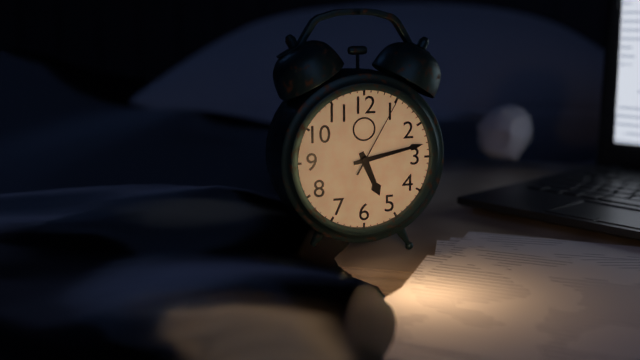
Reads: 5.13.05
